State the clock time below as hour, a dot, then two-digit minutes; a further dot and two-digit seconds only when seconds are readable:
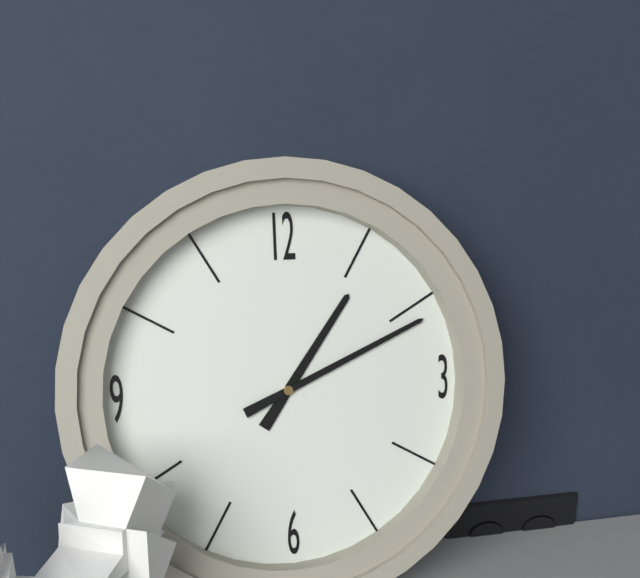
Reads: 1.11
